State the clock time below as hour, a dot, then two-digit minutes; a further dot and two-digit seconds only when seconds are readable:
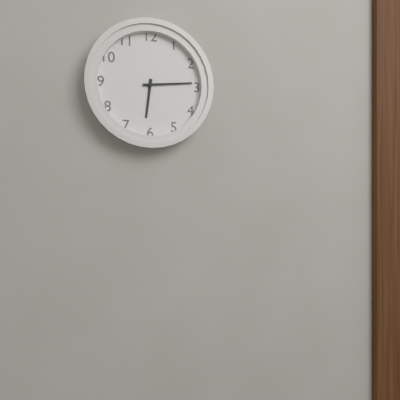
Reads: 6.14
